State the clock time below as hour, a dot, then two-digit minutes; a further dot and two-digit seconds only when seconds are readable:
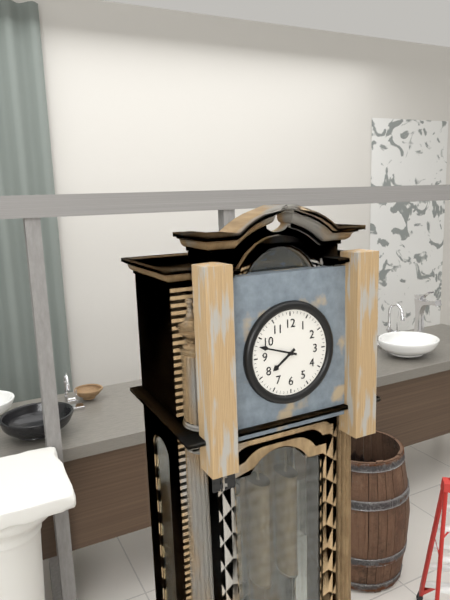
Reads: 7.48
